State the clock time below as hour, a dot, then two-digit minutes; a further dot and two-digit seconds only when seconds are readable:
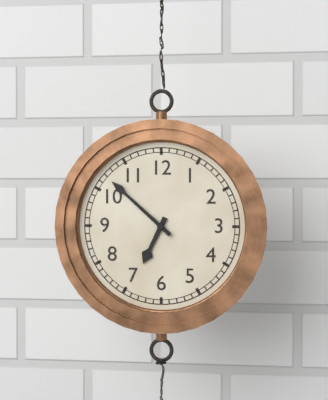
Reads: 6.52
